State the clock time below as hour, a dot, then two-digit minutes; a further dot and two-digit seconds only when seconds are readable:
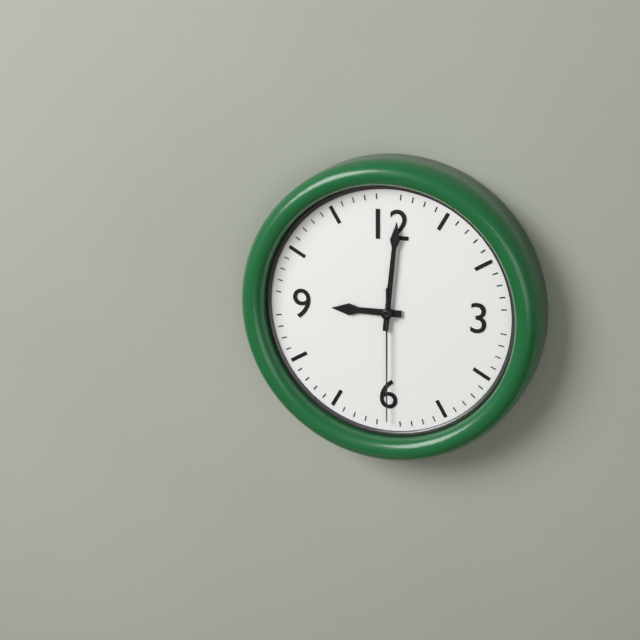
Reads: 9.01.30
